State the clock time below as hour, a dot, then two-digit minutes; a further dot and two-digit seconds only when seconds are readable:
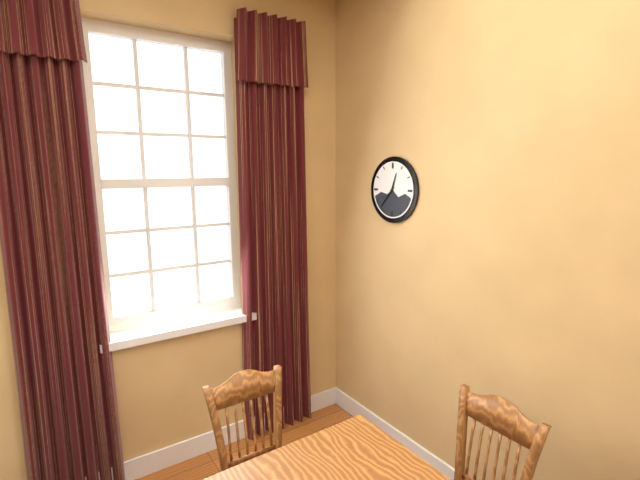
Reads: 12.37
